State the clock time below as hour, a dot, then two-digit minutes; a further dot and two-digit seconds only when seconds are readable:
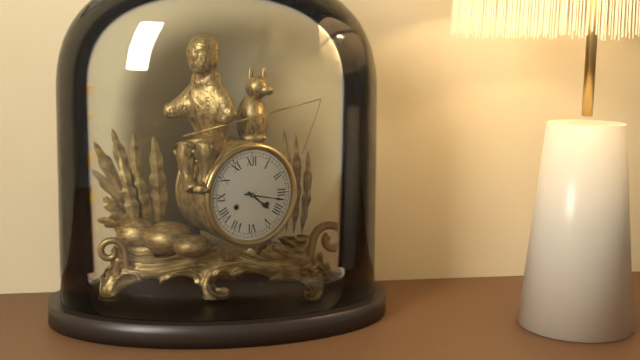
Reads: 4.17
